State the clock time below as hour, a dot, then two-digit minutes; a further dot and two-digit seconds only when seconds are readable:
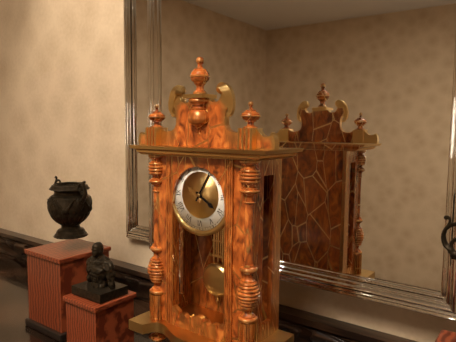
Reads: 4.05
